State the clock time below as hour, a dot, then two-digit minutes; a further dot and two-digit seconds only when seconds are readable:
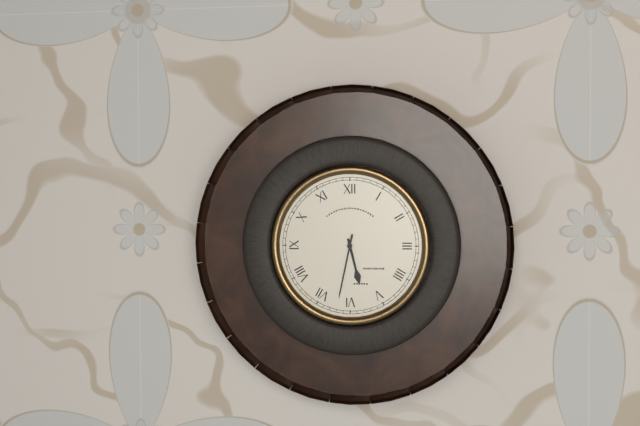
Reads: 5.32
